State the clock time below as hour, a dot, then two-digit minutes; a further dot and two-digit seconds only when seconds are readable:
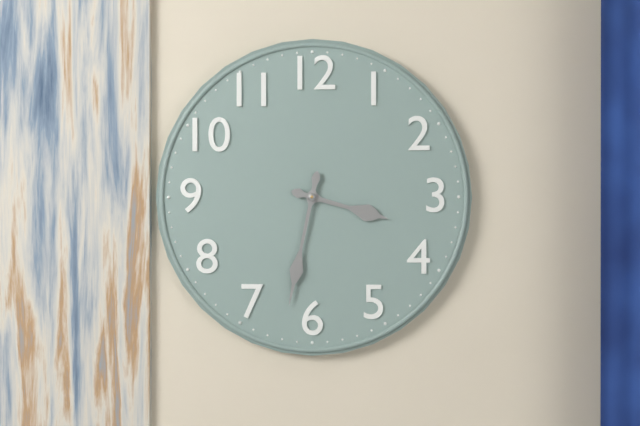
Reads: 3.32
